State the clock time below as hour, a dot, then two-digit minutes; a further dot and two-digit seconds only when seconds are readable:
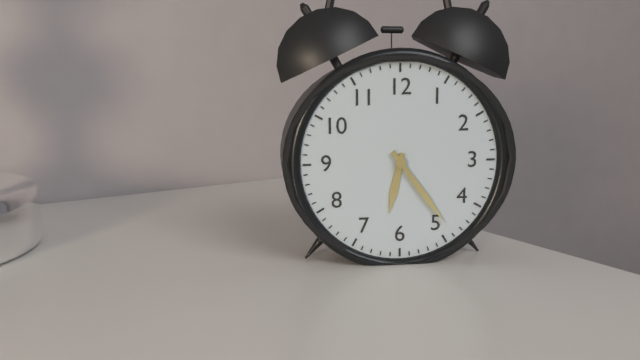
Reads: 6.24
